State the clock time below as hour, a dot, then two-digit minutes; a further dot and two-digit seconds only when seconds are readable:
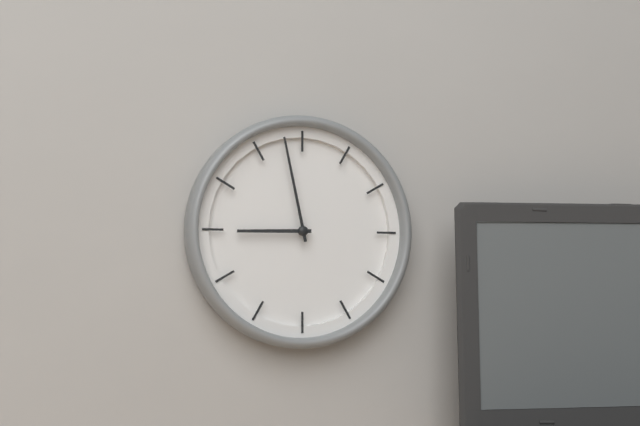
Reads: 8.58
